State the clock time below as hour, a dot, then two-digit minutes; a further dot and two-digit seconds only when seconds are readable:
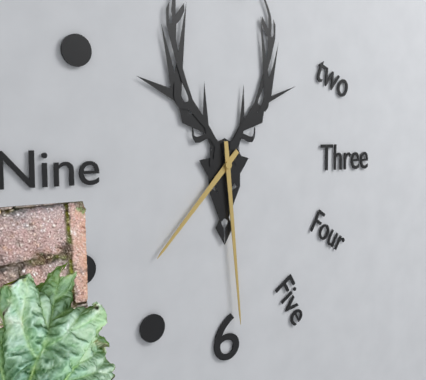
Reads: 7.29
